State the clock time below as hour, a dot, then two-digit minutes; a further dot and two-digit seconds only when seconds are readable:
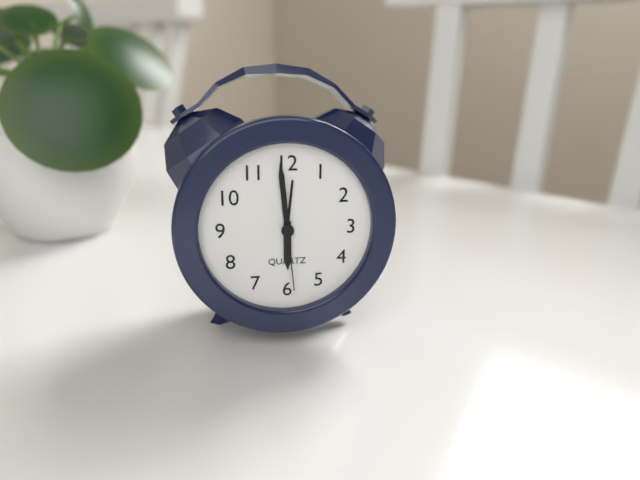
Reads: 5.59.29
